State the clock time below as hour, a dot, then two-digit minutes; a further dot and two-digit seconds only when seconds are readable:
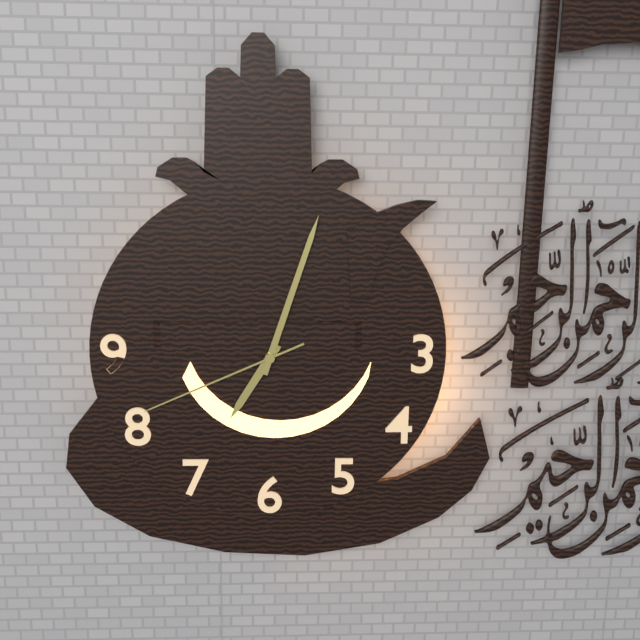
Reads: 7.03.41
